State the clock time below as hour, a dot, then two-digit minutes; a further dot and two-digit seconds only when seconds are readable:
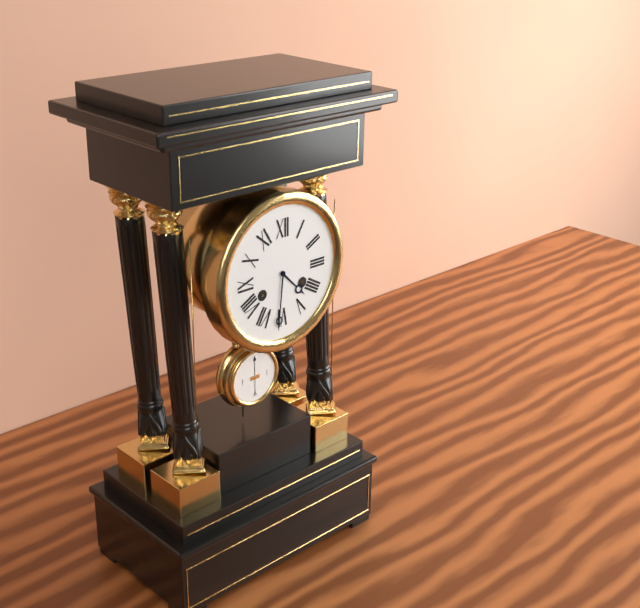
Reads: 4.31
